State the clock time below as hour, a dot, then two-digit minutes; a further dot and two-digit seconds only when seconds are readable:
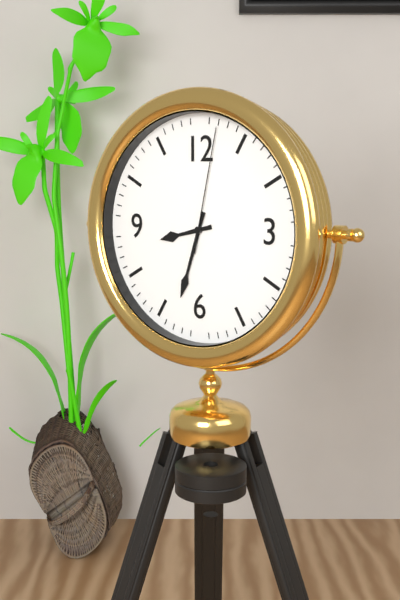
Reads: 8.33.02
